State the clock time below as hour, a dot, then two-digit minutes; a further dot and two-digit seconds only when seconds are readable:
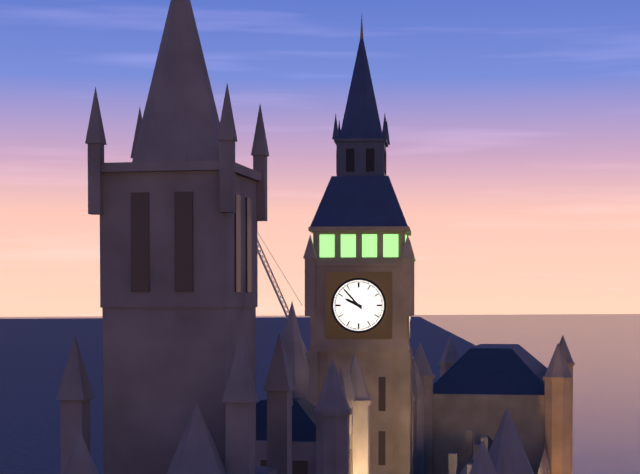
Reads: 9.53
